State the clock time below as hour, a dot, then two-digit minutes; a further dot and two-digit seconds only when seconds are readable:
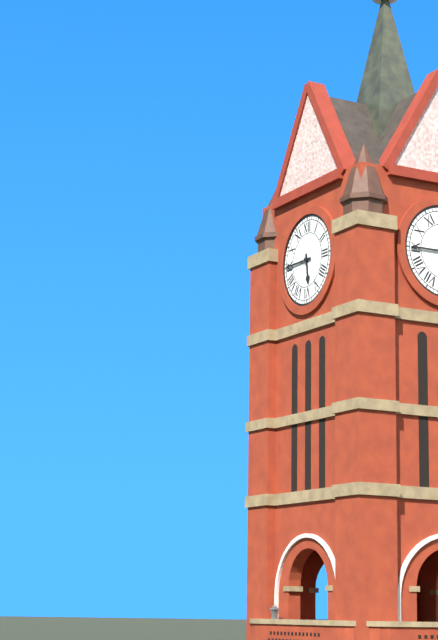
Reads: 5.45
